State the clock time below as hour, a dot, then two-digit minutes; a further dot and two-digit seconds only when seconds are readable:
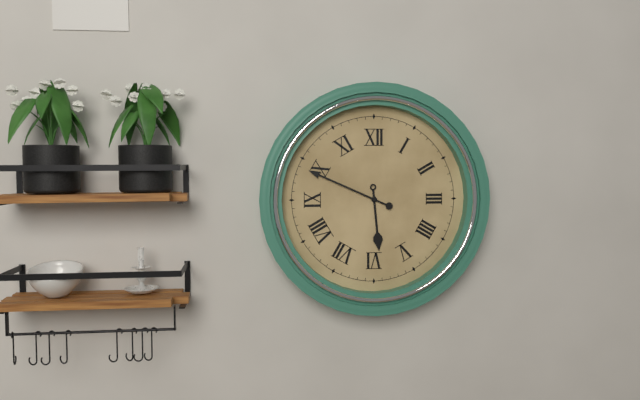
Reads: 5.49
